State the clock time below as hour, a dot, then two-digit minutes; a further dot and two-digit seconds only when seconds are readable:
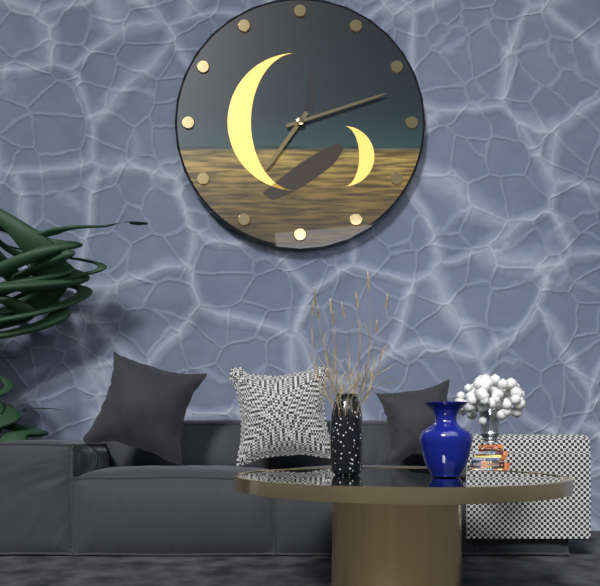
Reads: 7.12
